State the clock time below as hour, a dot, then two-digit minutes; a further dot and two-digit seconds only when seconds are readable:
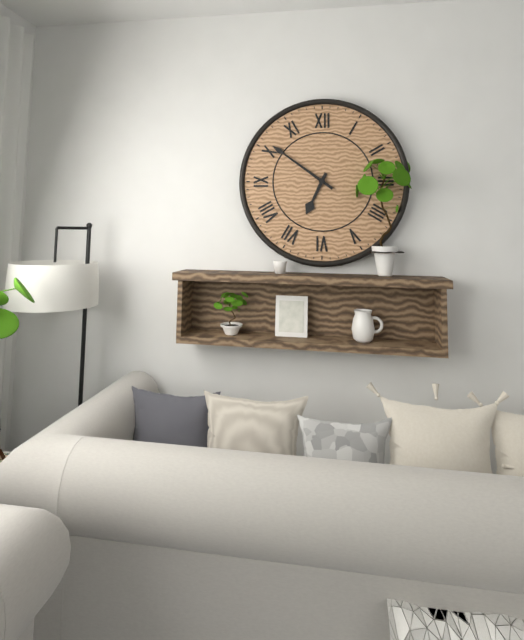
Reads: 6.51
